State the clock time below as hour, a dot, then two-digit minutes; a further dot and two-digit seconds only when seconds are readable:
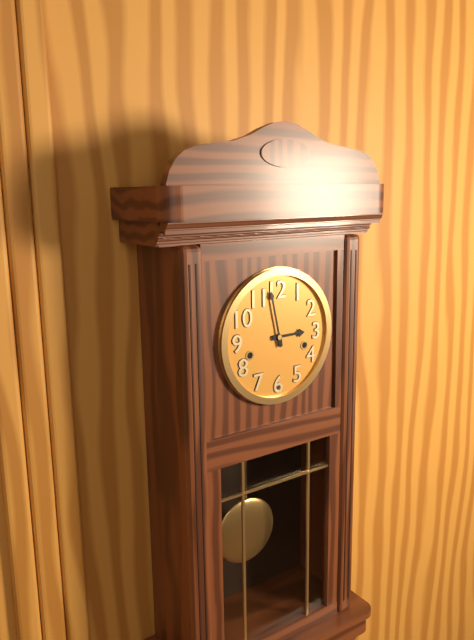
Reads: 2.58
